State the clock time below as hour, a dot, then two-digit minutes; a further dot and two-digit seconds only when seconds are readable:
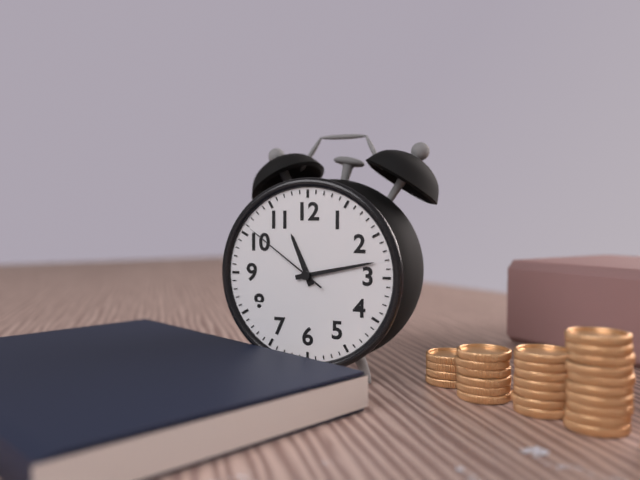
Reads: 11.13.51
